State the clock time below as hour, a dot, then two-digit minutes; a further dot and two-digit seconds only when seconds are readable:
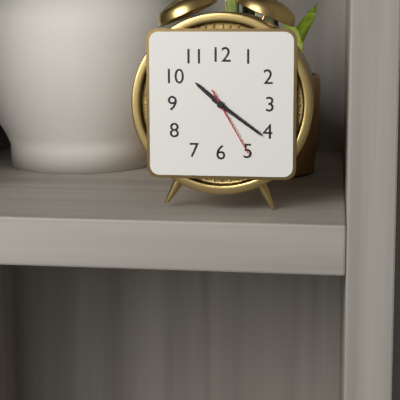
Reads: 10.21.25
